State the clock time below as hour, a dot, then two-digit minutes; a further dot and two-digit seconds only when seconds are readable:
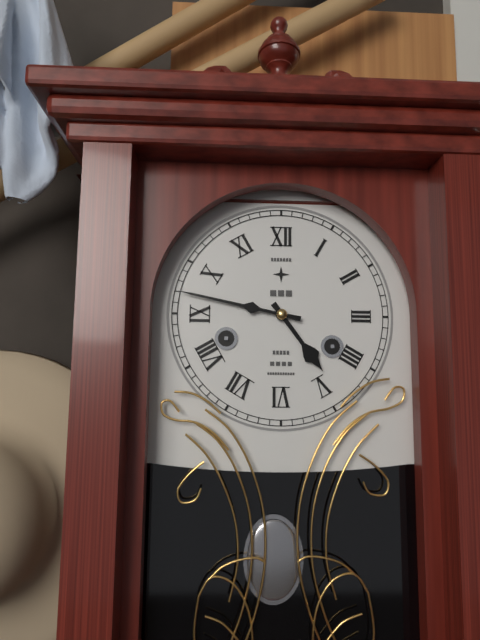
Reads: 4.47
